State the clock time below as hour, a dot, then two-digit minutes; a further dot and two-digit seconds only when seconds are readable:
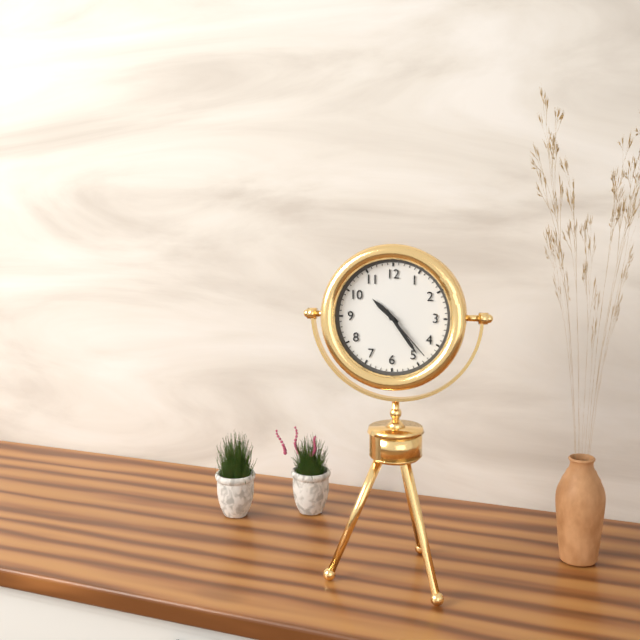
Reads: 10.24.23
